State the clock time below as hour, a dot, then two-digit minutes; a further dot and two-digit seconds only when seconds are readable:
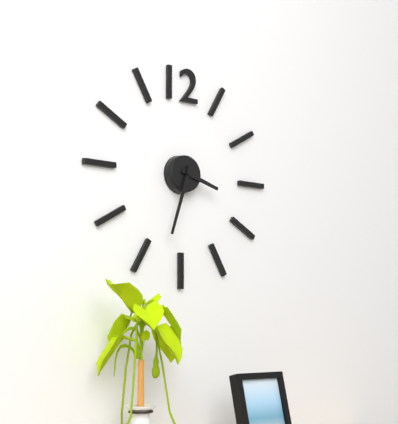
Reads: 3.33
